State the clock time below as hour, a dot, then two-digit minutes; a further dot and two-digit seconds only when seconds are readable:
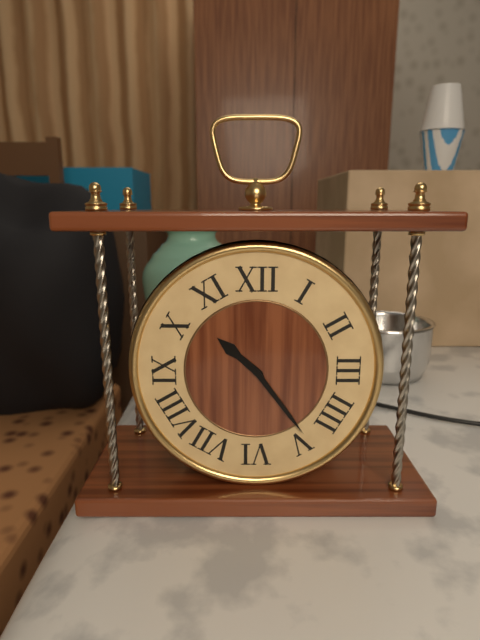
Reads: 10.24
